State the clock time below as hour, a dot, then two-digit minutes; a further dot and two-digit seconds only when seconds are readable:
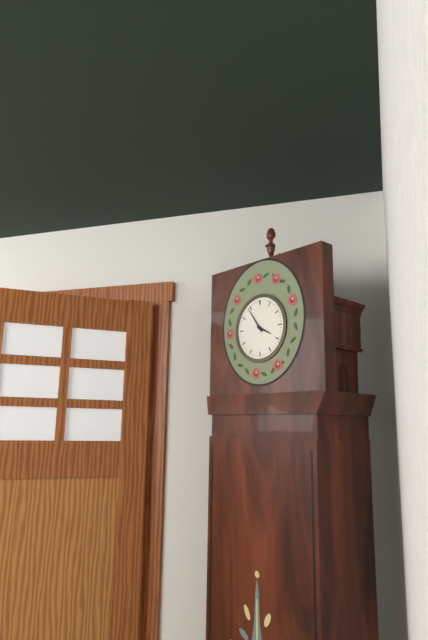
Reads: 3.54
